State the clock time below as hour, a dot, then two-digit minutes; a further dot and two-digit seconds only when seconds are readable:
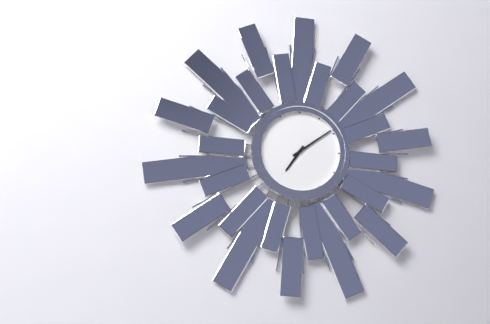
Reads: 7.09
